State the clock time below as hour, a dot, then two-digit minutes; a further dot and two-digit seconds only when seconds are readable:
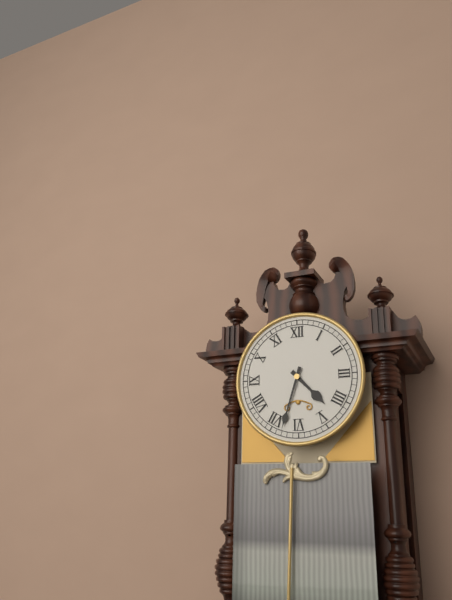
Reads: 4.33
